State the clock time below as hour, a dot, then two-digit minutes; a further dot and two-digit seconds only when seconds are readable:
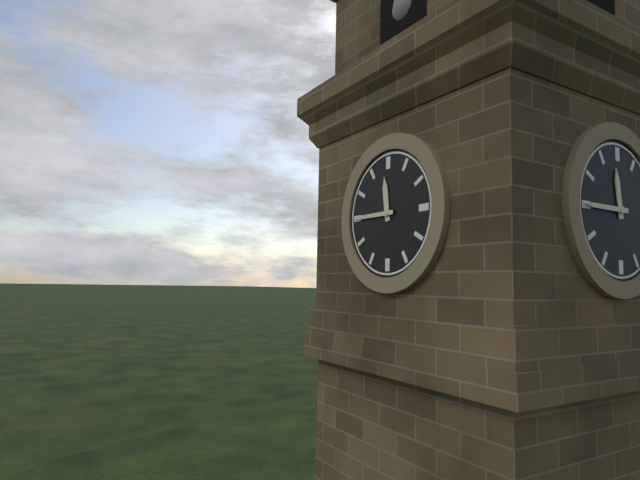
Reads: 11.45
